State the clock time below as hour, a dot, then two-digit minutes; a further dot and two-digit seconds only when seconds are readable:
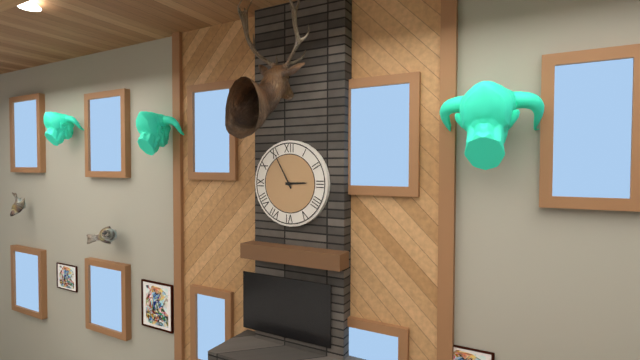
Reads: 2.55
